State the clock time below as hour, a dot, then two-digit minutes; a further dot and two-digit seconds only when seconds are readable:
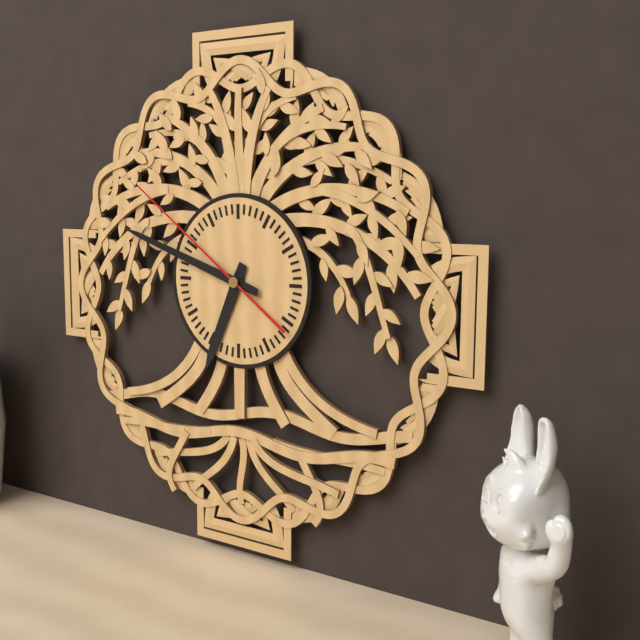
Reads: 6.48.51
